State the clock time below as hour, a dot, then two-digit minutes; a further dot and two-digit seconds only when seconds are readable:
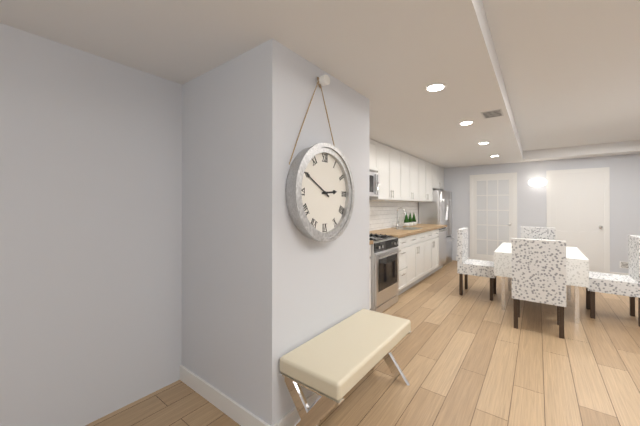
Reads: 2.50
